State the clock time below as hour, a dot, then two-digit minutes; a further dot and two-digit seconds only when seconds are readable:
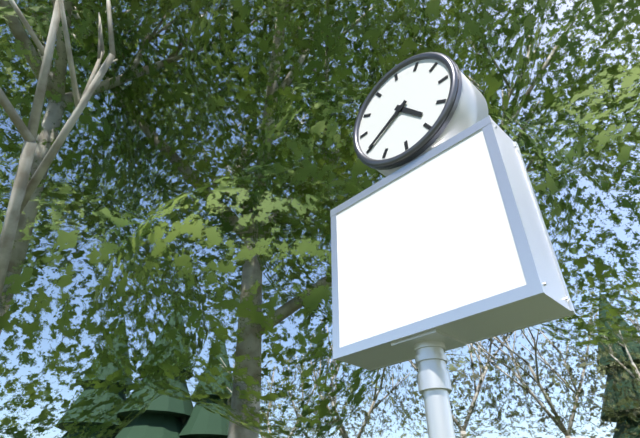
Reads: 4.40
